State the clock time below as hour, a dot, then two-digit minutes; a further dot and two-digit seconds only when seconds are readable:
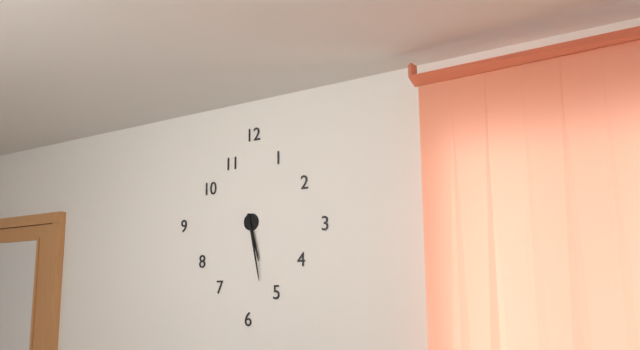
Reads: 5.28
